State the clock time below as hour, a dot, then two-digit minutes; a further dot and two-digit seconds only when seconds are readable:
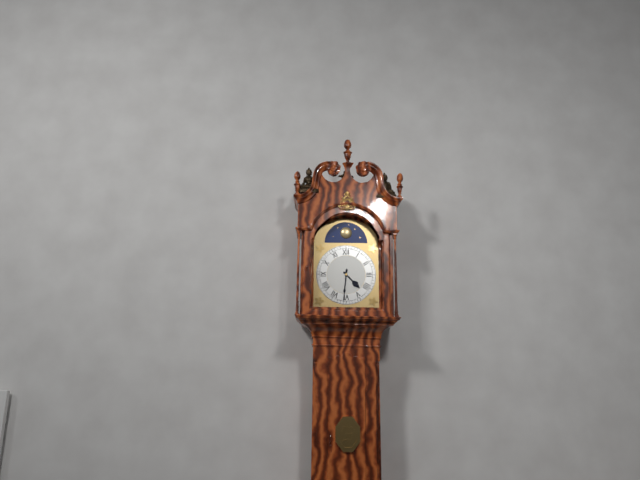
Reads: 4.31
